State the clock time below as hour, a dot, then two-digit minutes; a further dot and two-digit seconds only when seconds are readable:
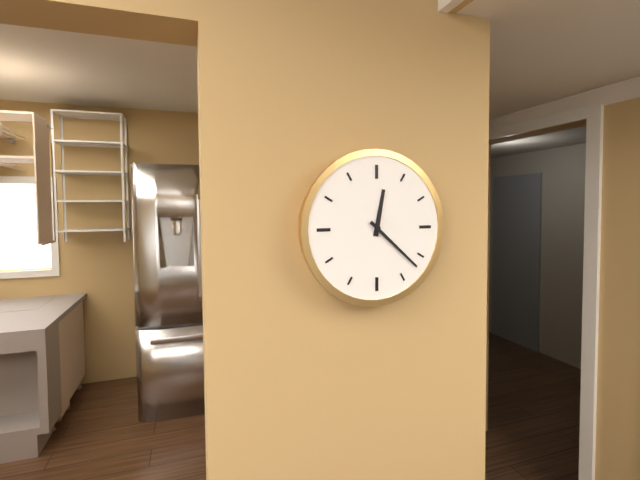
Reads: 12.22
